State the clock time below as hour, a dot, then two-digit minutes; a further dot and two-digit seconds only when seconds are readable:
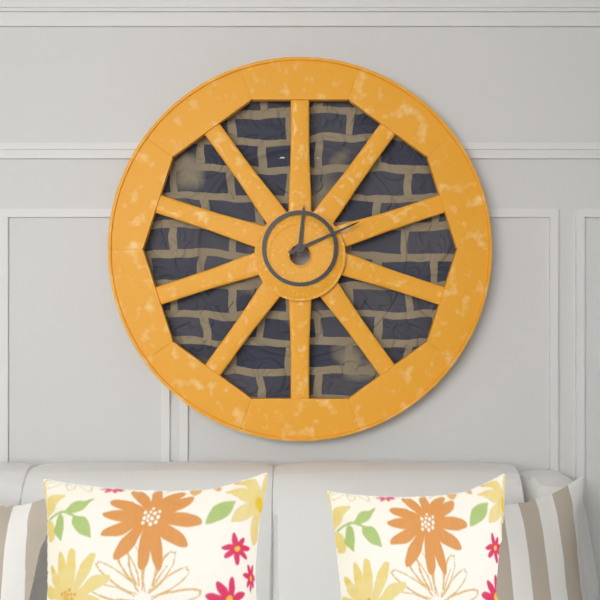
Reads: 12.11
